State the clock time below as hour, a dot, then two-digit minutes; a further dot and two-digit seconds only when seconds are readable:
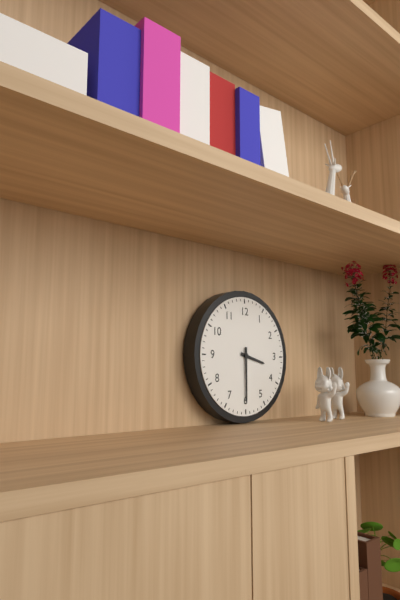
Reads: 3.30
